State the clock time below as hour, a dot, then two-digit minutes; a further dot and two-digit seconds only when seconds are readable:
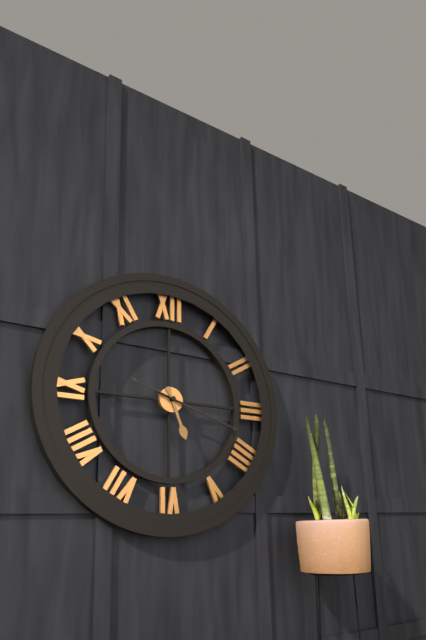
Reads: 5.18.48
